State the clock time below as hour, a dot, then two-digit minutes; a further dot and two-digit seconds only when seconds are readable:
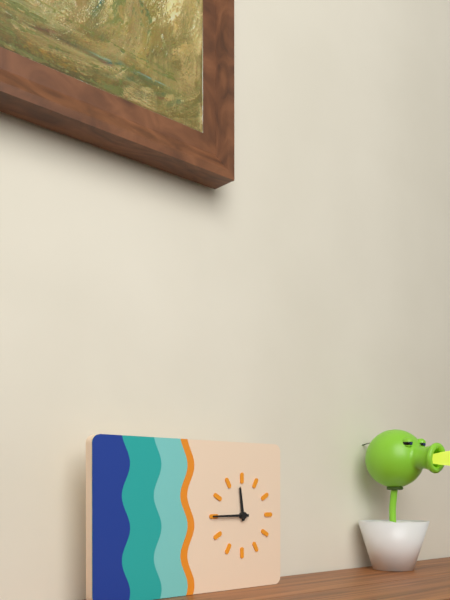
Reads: 11.45
